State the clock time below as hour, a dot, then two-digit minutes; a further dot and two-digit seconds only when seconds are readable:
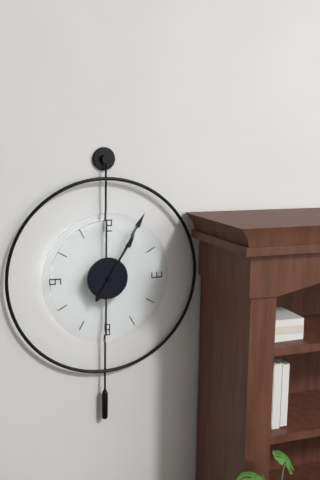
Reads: 1.05
